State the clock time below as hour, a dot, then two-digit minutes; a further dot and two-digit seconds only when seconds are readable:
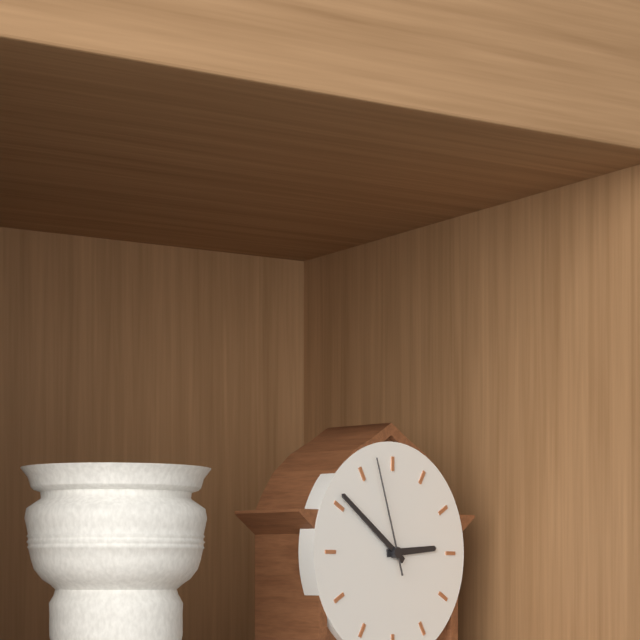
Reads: 2.51.57
